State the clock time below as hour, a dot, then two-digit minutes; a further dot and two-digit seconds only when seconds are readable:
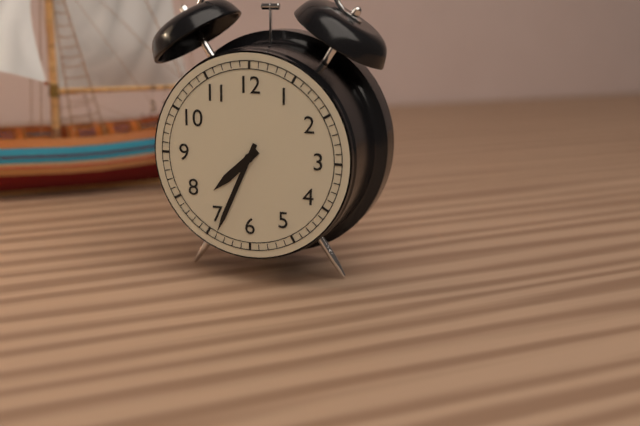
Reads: 7.34
